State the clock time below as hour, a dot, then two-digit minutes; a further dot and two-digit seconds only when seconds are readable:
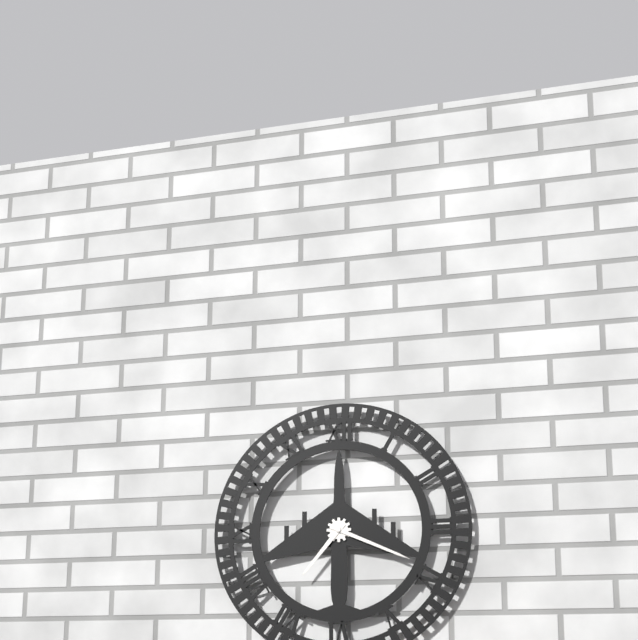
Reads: 7.19
